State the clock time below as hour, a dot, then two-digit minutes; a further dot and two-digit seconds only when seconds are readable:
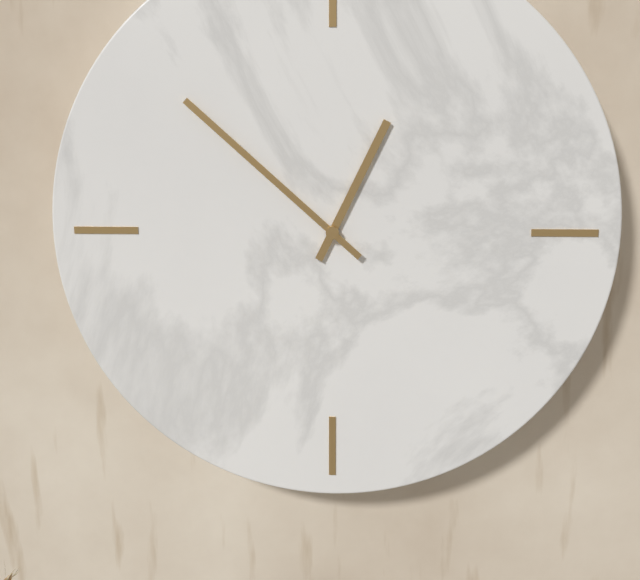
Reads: 12.52
